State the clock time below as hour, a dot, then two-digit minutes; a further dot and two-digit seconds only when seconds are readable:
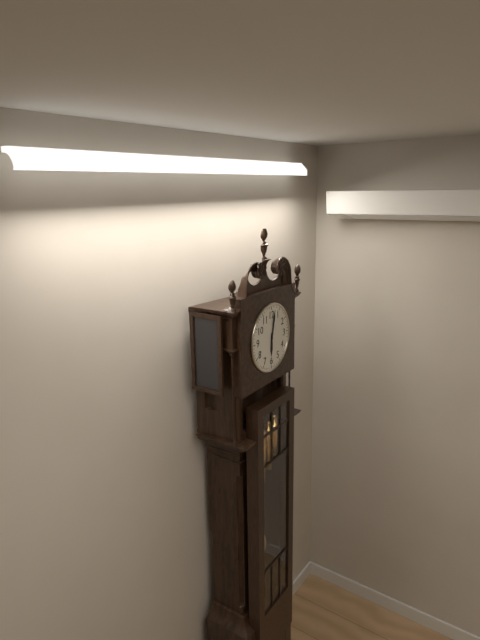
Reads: 6.02
